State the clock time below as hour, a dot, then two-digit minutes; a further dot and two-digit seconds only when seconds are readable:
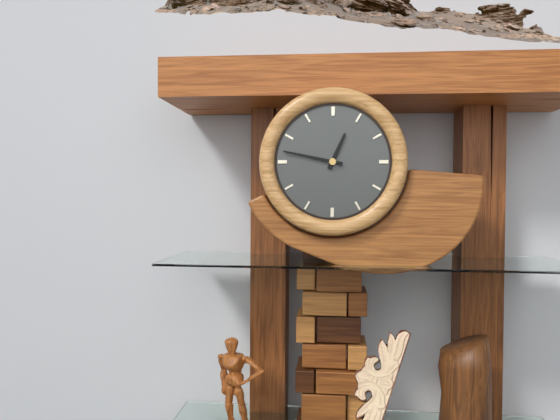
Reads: 12.47
